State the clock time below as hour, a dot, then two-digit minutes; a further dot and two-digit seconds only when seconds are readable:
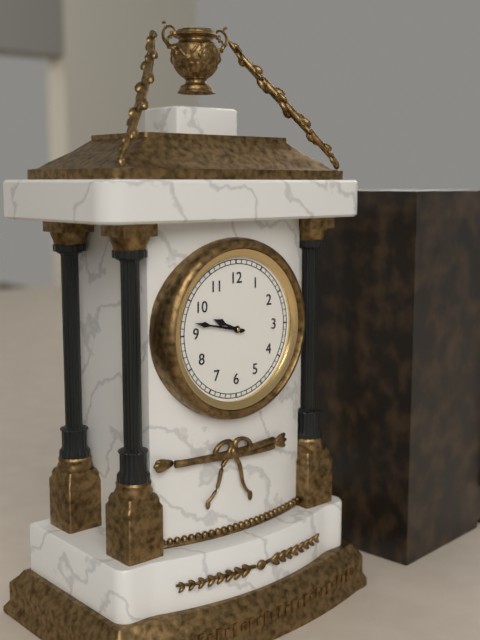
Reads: 9.47
